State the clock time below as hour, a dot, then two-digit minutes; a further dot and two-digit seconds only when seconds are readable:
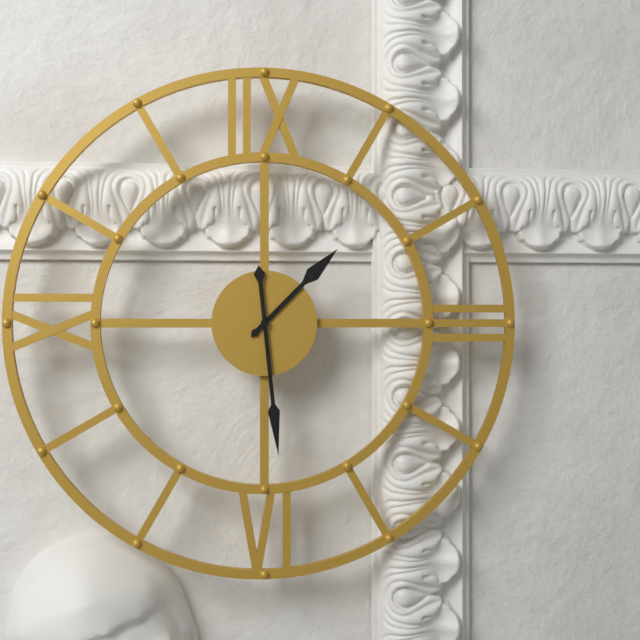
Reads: 1.29
